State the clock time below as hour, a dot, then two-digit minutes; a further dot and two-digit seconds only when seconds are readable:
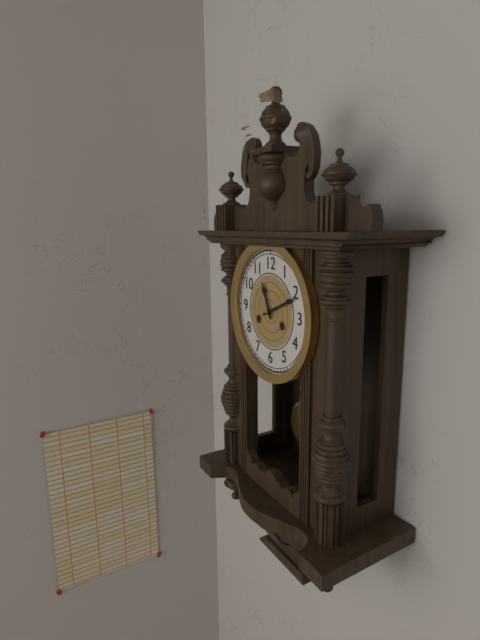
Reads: 11.11
